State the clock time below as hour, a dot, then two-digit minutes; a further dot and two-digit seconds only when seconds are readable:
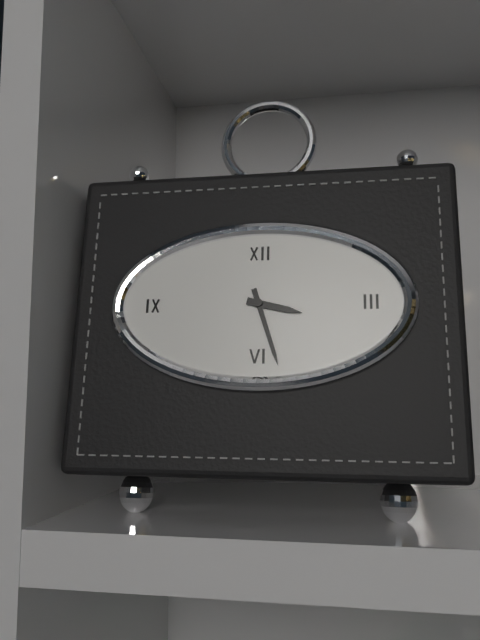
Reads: 3.27
